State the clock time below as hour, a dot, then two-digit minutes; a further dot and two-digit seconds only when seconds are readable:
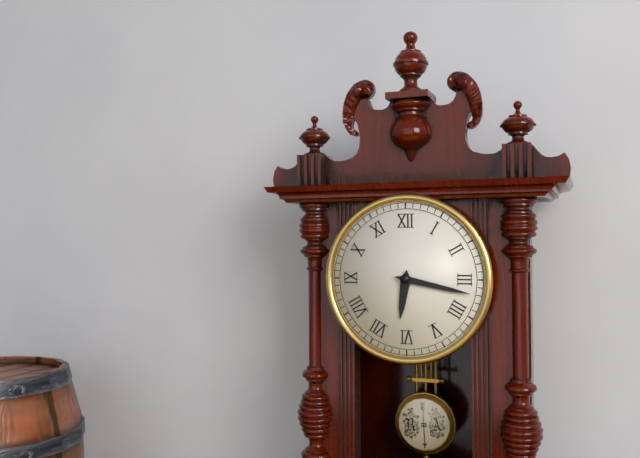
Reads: 6.17
